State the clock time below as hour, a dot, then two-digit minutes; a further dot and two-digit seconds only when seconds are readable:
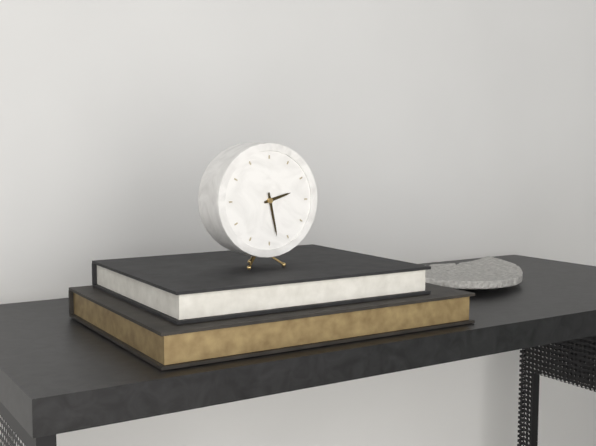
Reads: 2.28
